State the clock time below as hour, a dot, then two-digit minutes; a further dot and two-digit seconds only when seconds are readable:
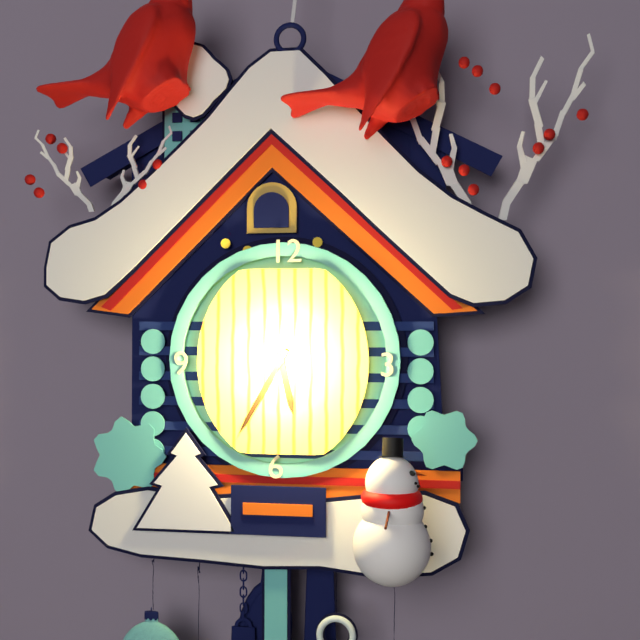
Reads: 5.35
